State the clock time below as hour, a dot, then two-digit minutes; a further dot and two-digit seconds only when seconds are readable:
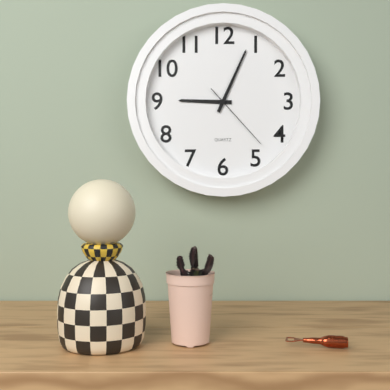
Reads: 9.04.23
